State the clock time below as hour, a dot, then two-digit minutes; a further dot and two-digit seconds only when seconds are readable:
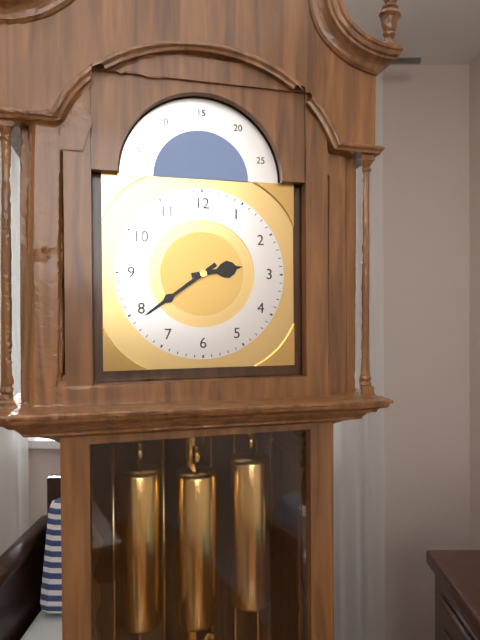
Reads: 2.39
